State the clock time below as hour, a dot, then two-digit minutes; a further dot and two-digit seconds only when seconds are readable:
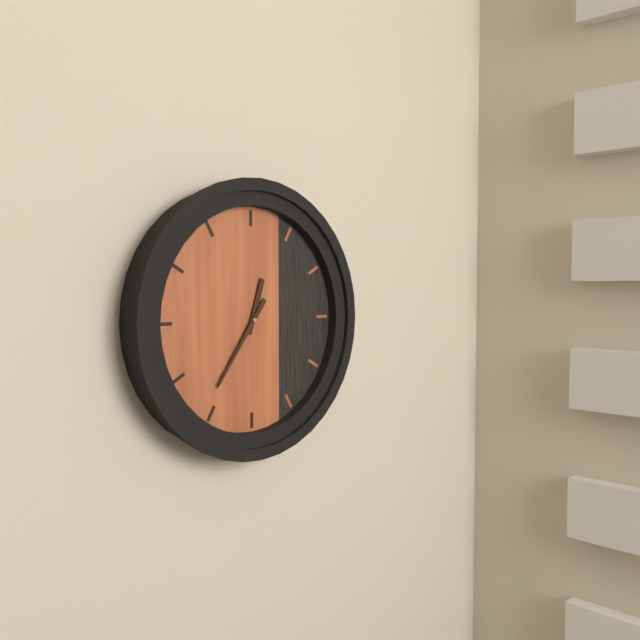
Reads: 12.36
